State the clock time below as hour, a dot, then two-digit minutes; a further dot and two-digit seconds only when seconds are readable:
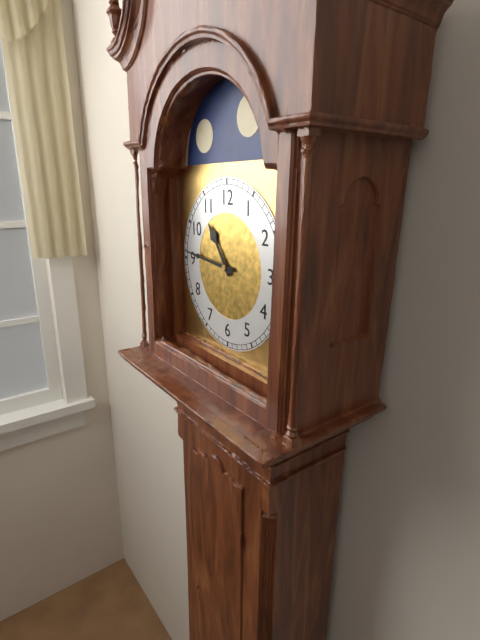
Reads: 10.46
